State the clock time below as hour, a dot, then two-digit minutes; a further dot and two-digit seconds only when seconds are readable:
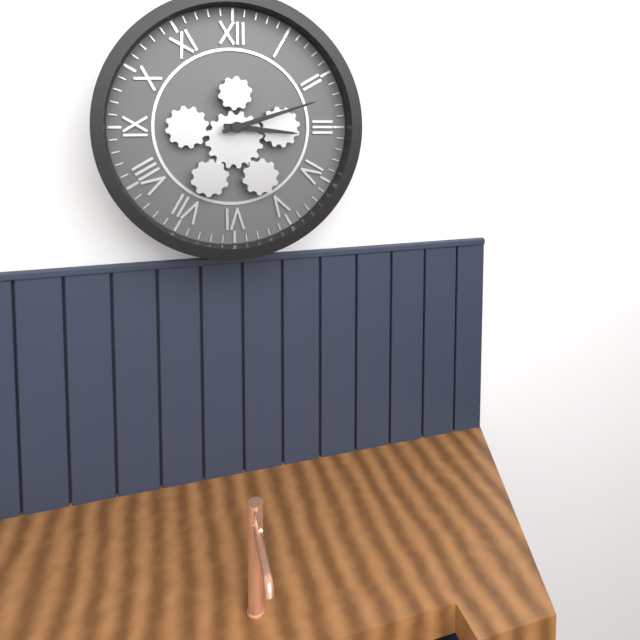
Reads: 3.12
